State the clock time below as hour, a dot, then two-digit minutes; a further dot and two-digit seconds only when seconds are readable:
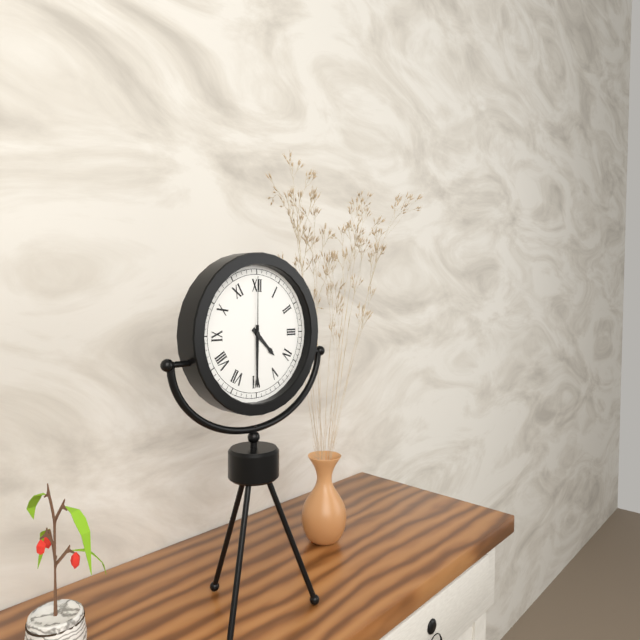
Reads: 4.30.00
